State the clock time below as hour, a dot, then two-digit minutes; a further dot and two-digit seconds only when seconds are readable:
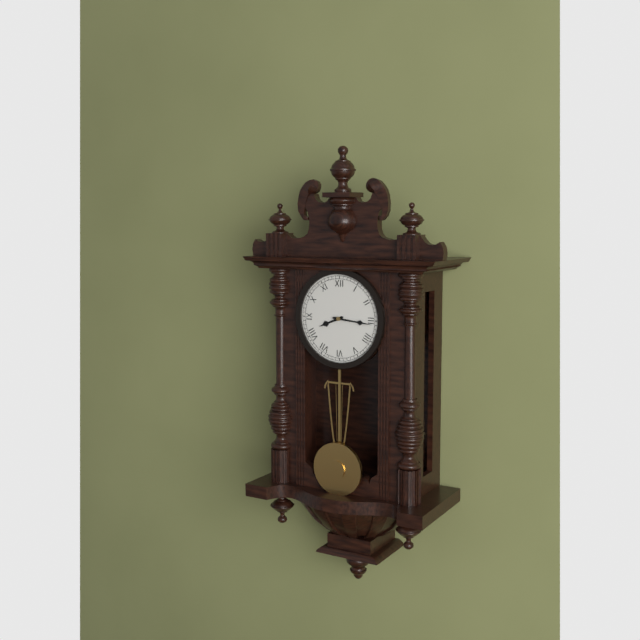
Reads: 8.16
